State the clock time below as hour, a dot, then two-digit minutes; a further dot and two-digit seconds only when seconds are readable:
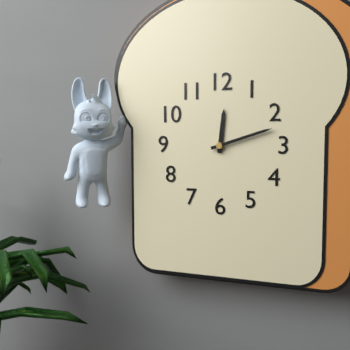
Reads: 12.12
